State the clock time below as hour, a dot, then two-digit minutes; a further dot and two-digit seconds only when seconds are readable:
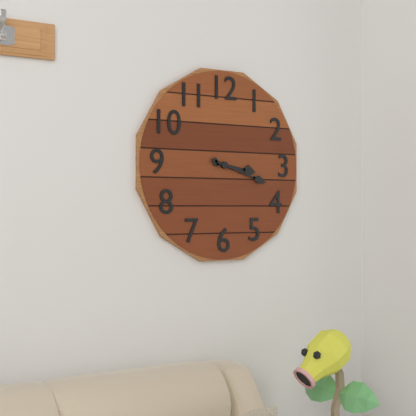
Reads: 3.18
